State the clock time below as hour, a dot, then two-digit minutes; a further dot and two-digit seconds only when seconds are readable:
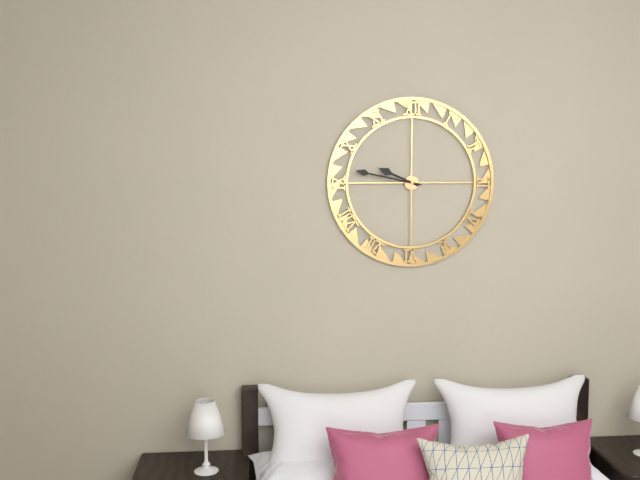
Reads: 9.47
